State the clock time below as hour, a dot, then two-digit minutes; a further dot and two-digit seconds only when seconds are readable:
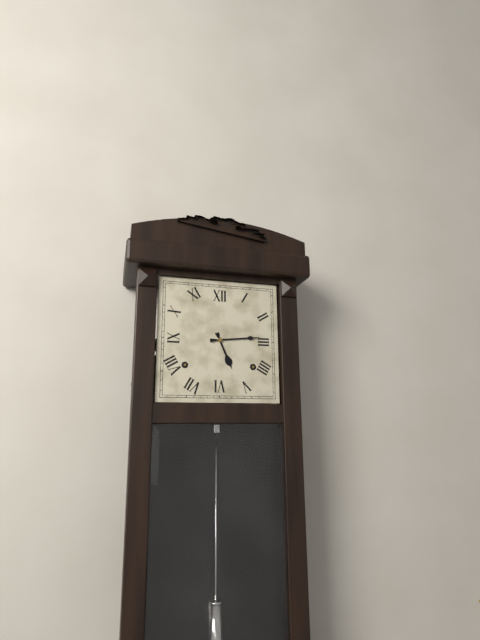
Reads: 5.14
